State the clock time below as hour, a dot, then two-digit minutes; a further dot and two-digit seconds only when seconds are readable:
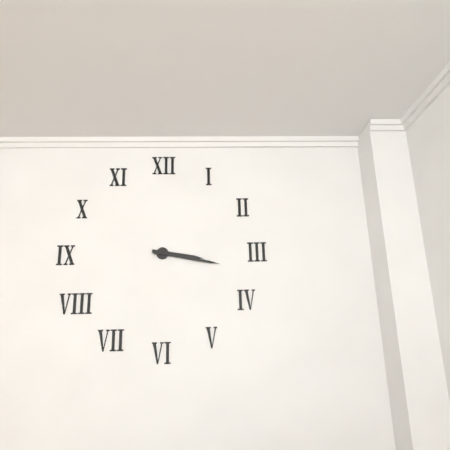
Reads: 3.17
